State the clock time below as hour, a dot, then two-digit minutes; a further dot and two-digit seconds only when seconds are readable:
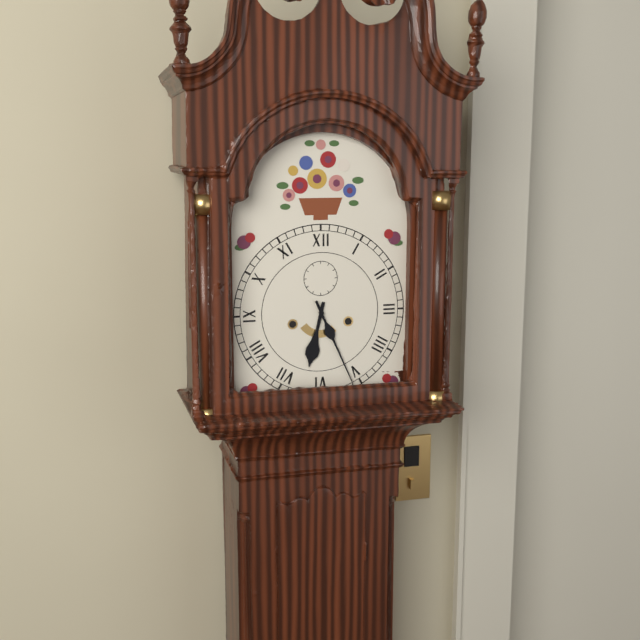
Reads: 6.26
